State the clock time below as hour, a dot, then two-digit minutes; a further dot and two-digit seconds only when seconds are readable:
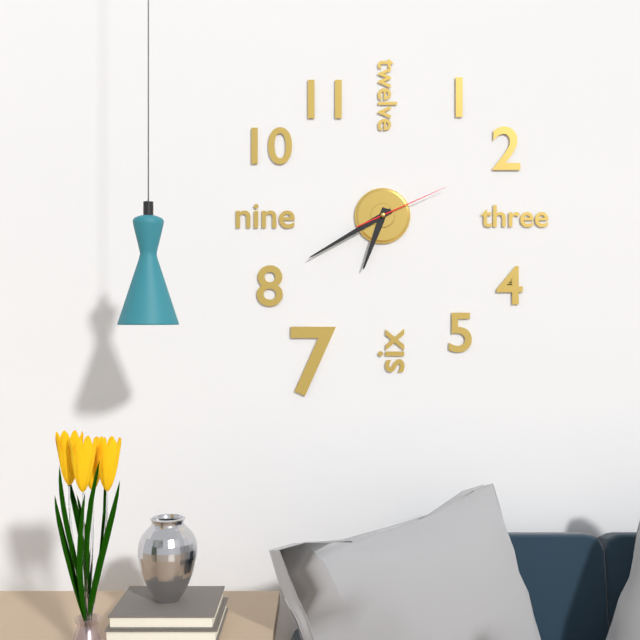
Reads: 6.40.11
